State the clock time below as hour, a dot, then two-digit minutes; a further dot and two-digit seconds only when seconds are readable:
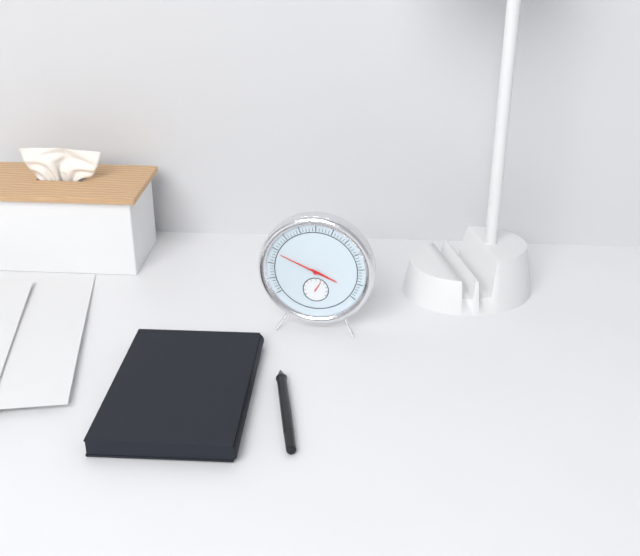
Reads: 3.49
